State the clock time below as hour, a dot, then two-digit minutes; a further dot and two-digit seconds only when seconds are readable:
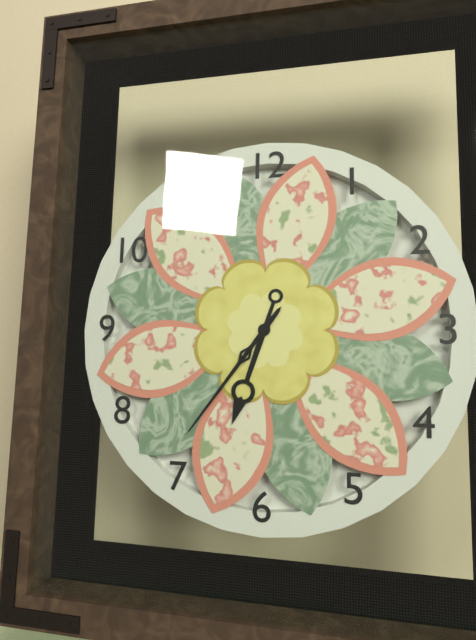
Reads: 6.36
